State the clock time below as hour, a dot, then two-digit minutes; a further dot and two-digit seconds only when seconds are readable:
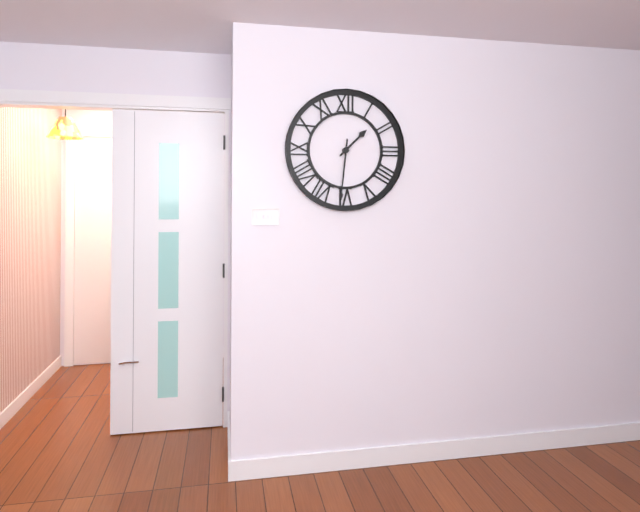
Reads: 1.31
